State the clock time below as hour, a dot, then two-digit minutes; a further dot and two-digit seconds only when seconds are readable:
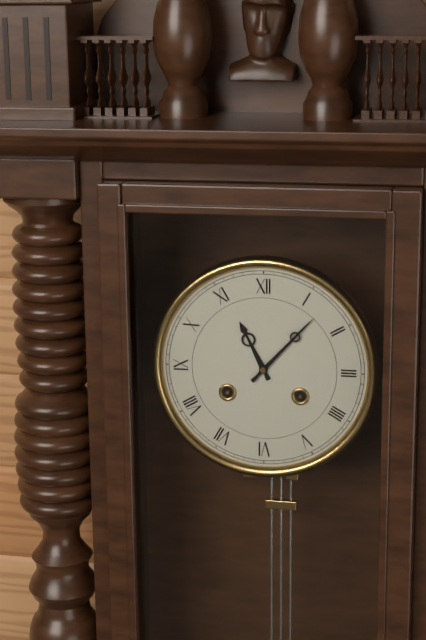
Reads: 11.07
